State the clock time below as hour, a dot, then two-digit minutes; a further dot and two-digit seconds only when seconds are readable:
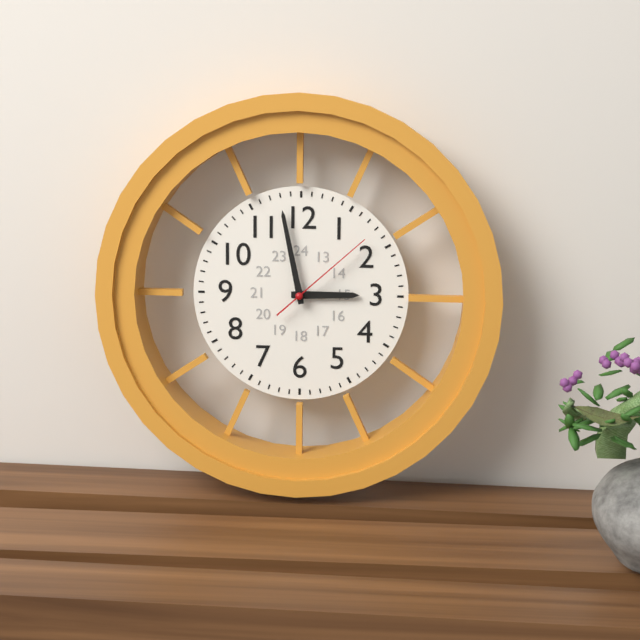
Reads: 2.58.08
